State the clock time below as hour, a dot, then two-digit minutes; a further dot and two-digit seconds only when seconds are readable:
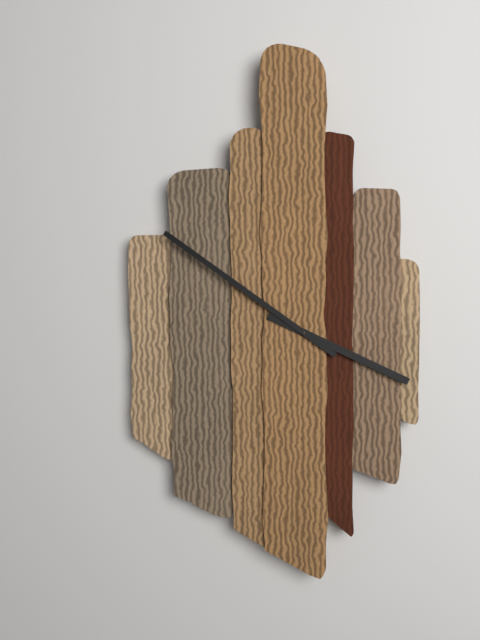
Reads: 3.51
